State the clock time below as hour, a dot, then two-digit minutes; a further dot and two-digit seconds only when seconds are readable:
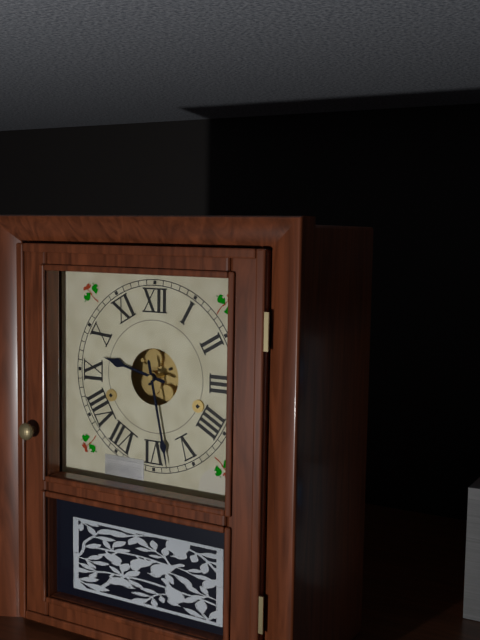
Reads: 9.28
